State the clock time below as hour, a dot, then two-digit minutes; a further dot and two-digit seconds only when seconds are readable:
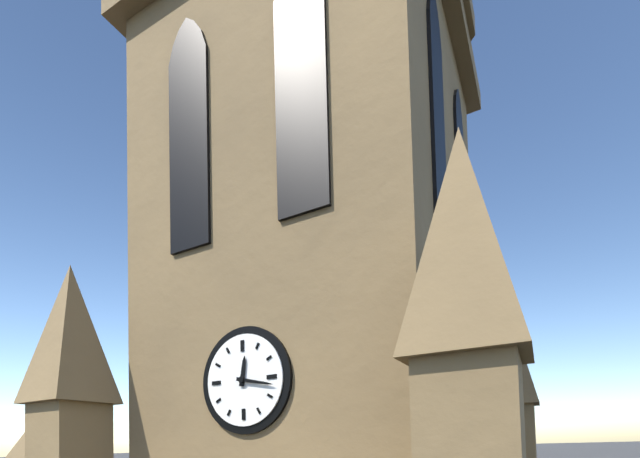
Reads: 12.17
